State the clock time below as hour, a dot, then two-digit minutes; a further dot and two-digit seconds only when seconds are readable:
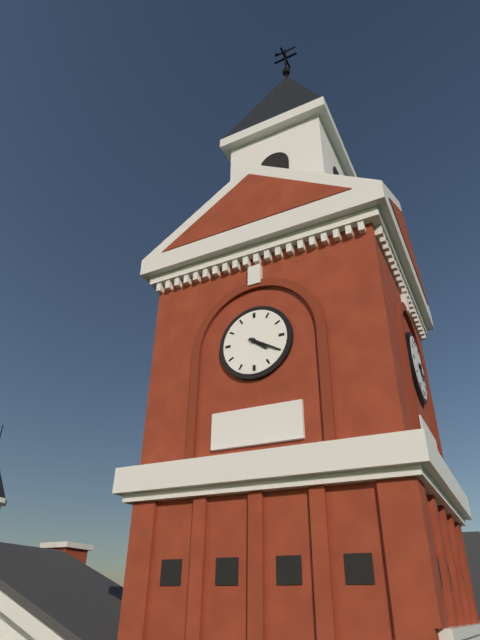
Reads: 4.20
